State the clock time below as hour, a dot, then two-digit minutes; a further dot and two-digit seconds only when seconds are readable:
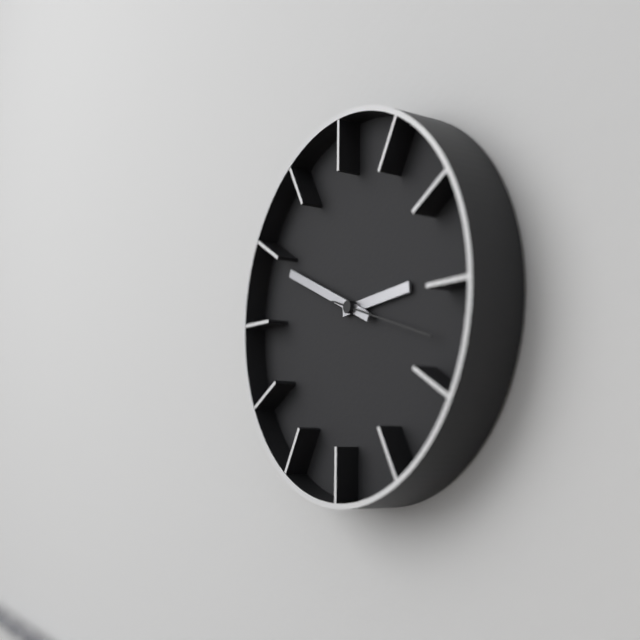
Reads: 2.49.18
